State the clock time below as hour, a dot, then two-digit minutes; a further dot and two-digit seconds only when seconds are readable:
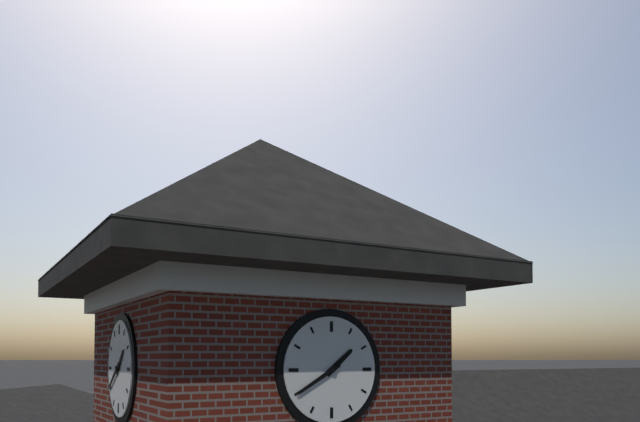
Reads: 1.40
